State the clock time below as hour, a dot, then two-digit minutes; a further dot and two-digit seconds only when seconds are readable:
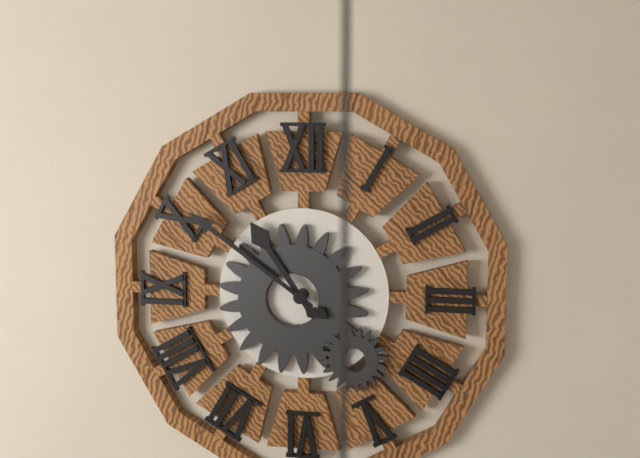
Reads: 10.51
